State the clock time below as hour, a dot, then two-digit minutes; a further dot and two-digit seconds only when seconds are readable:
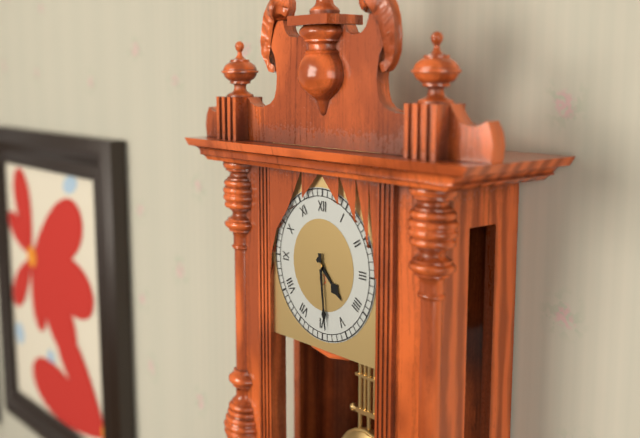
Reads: 4.29
